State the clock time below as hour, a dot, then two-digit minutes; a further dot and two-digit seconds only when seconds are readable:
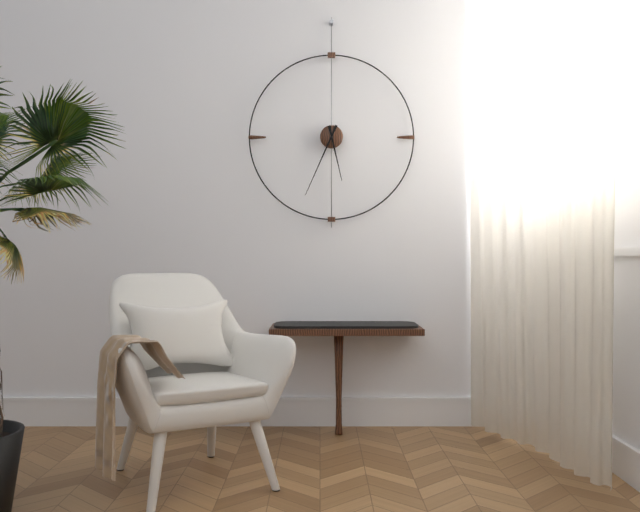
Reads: 5.34
